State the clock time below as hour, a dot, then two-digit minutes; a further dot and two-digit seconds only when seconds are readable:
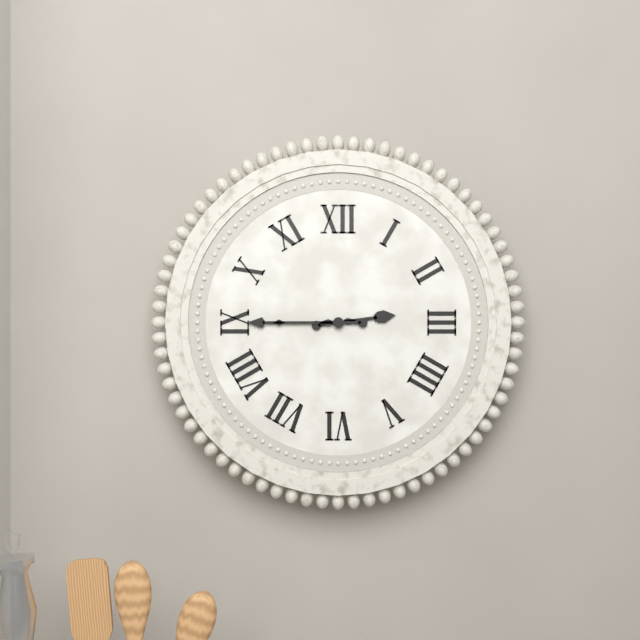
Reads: 2.45
